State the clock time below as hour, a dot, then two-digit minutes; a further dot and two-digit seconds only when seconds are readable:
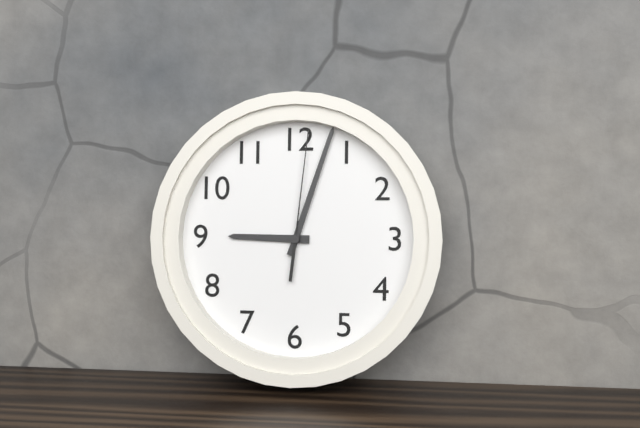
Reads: 9.03.01
